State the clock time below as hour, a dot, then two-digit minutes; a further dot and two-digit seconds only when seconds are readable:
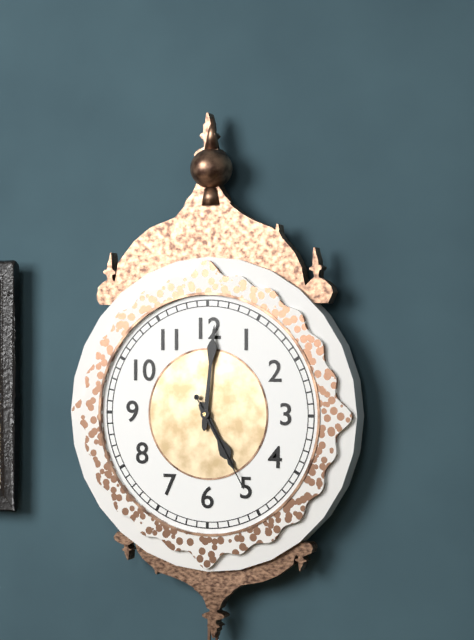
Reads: 5.01.25
